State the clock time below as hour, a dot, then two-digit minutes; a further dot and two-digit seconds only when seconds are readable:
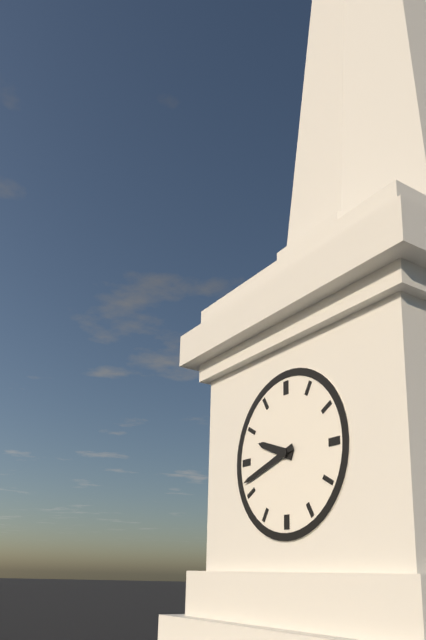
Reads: 9.42
